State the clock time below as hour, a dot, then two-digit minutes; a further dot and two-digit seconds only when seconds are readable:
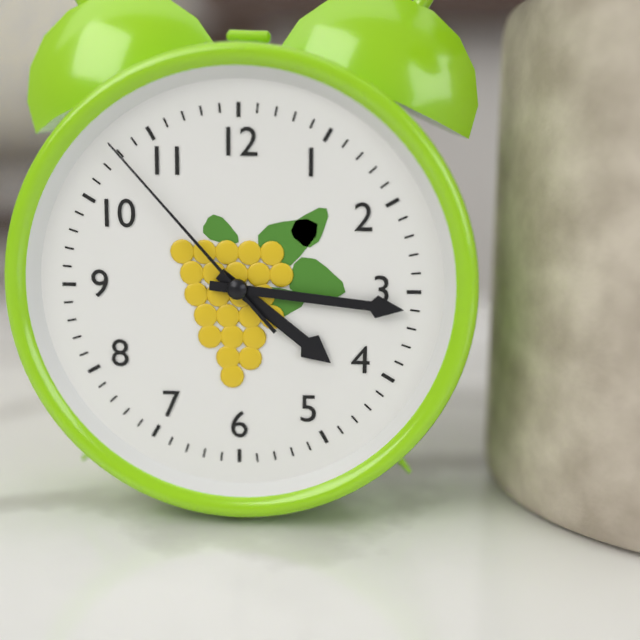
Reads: 4.16.53
